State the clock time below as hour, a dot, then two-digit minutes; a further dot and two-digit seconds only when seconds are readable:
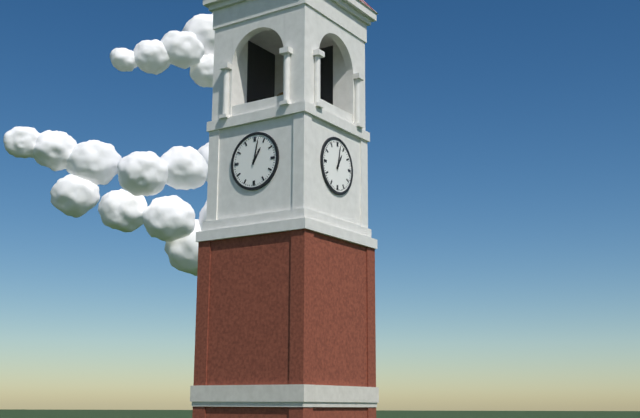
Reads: 1.02
